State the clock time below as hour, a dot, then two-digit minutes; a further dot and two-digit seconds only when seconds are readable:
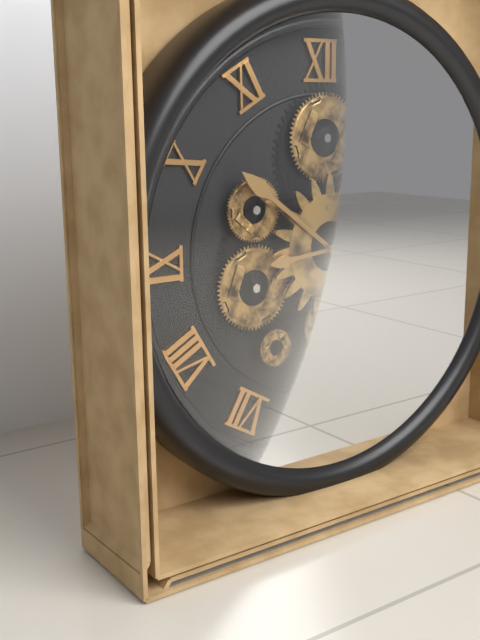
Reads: 10.14
